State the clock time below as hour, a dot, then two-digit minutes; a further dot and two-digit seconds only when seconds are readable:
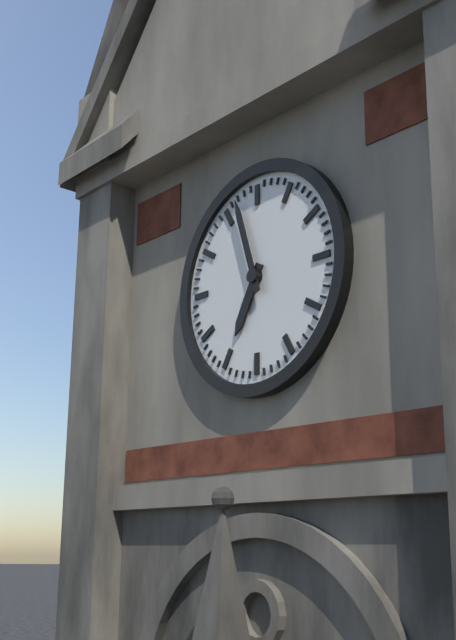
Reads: 6.57
